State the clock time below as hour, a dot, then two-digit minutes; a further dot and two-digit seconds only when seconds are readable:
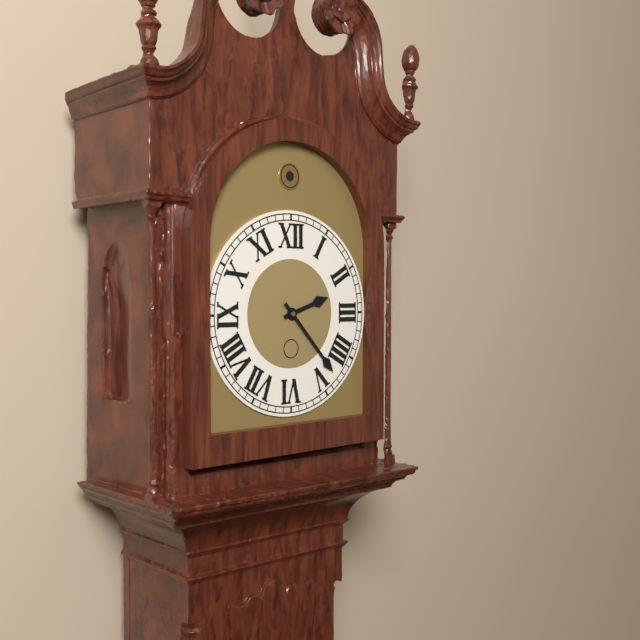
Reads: 2.23
